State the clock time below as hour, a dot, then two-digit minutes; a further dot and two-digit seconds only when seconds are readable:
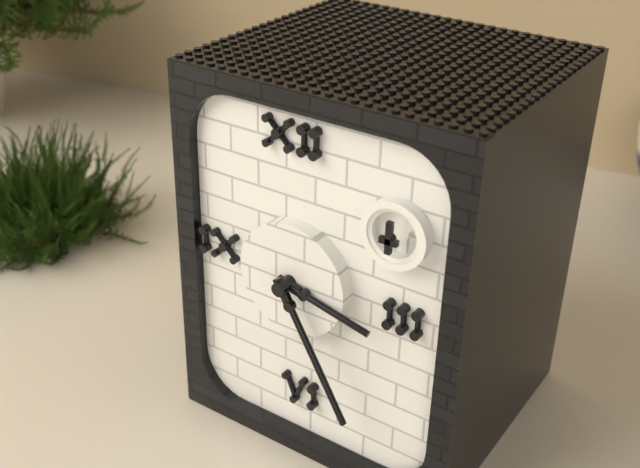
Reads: 3.25
